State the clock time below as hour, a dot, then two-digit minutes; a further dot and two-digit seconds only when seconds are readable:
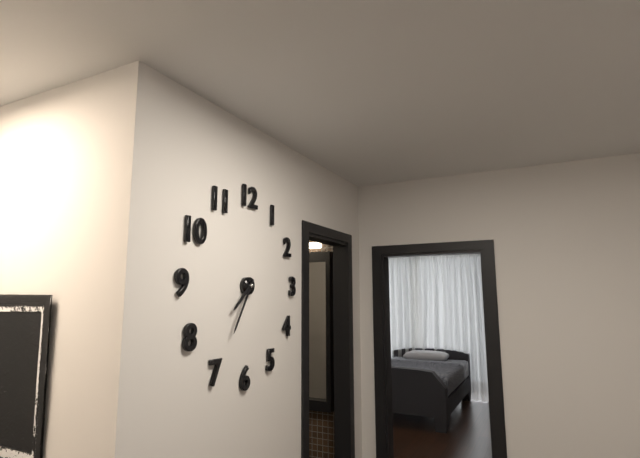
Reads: 7.35
